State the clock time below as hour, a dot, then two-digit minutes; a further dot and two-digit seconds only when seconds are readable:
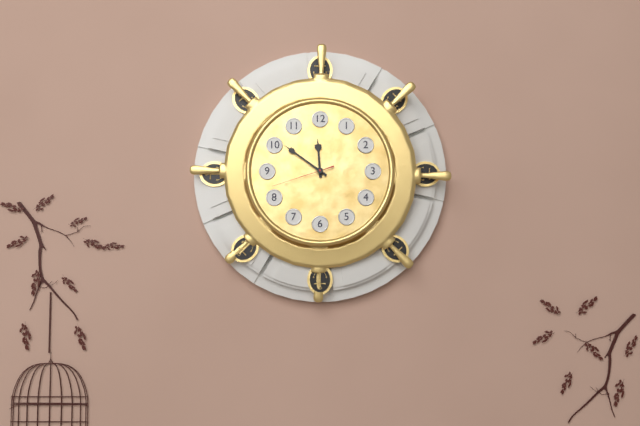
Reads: 11.51.42
